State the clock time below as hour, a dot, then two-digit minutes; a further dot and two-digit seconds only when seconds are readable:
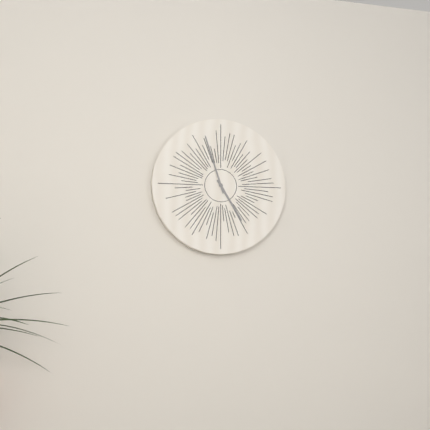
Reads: 4.57
